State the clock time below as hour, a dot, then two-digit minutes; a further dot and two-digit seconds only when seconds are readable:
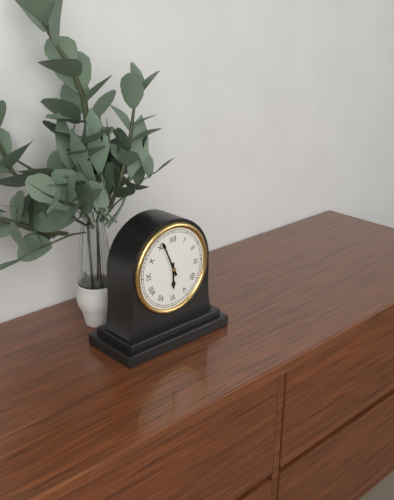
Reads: 5.56
